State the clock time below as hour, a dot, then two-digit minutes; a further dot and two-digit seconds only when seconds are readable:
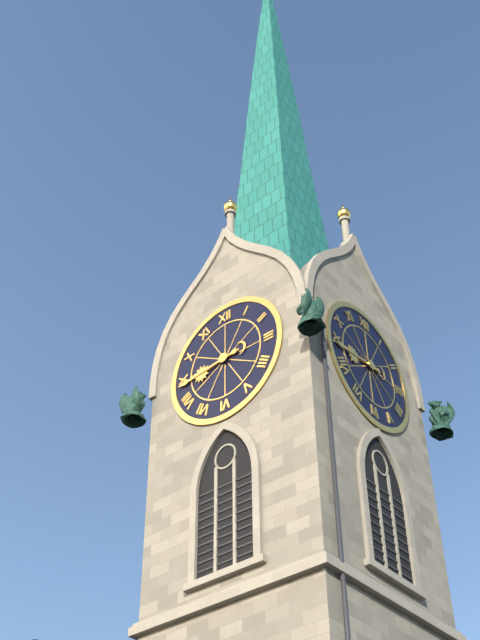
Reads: 8.44
